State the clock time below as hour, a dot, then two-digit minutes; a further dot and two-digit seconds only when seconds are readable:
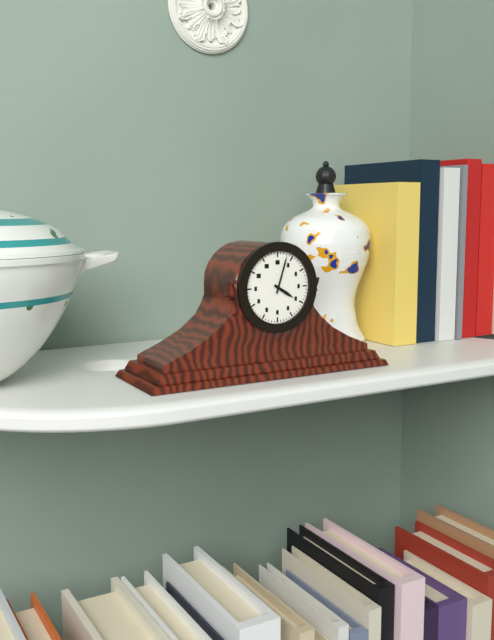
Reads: 4.03
